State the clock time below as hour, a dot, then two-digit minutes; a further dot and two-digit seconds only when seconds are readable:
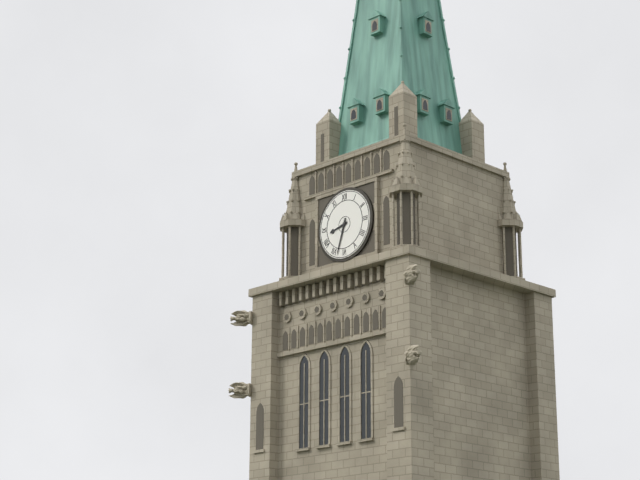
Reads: 8.33
